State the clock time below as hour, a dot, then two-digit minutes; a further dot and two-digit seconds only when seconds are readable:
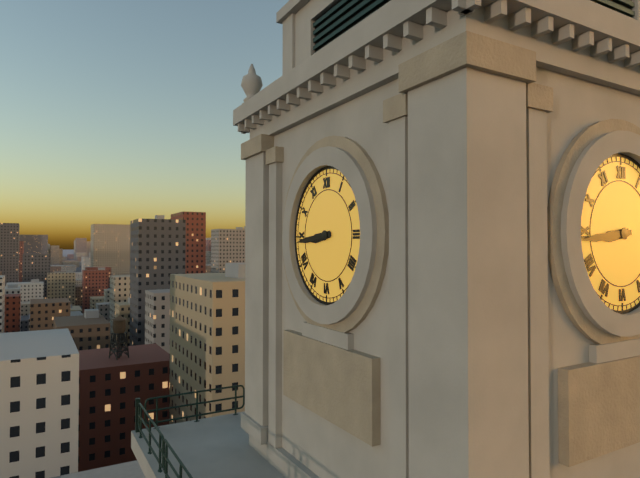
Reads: 8.44
